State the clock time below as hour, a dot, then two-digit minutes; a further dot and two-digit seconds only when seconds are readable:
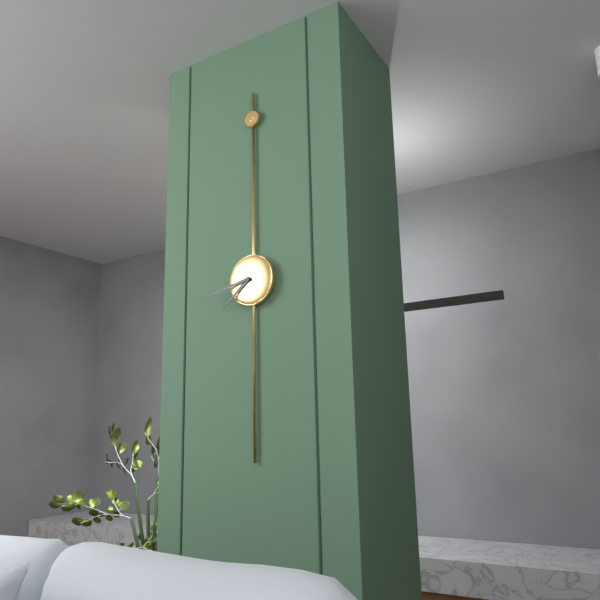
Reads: 7.43
